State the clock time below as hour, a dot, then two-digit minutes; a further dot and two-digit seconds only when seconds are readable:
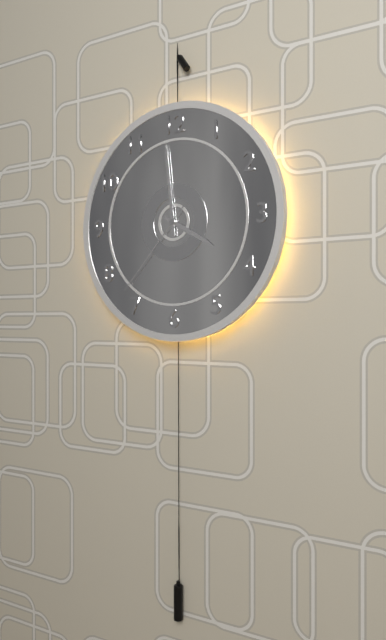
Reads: 3.59.37
